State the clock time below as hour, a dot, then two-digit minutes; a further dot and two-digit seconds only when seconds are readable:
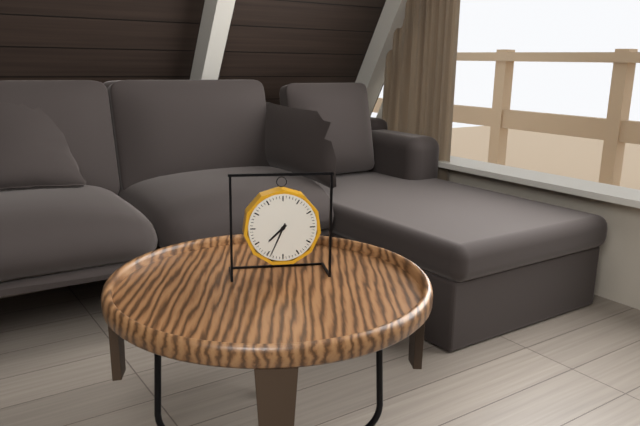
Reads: 7.34
